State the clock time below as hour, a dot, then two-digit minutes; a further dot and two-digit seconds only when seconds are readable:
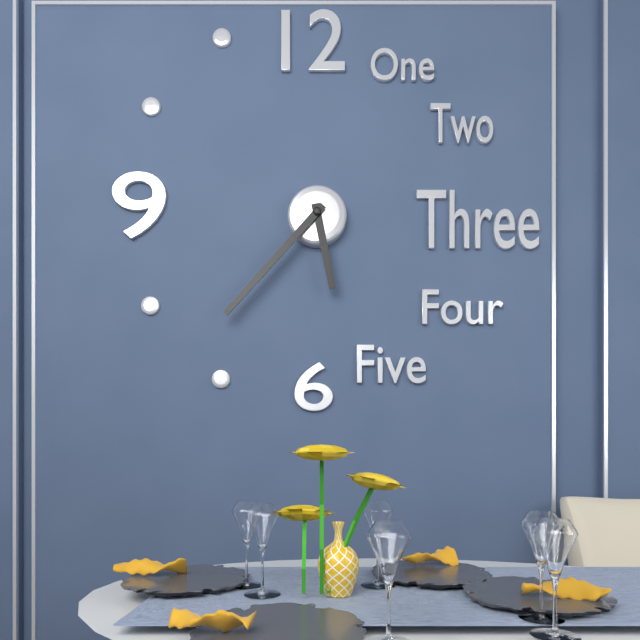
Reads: 5.37
